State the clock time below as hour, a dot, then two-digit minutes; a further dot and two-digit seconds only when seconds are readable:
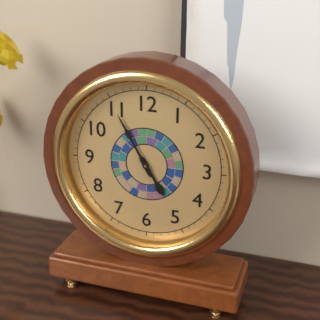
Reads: 4.55
